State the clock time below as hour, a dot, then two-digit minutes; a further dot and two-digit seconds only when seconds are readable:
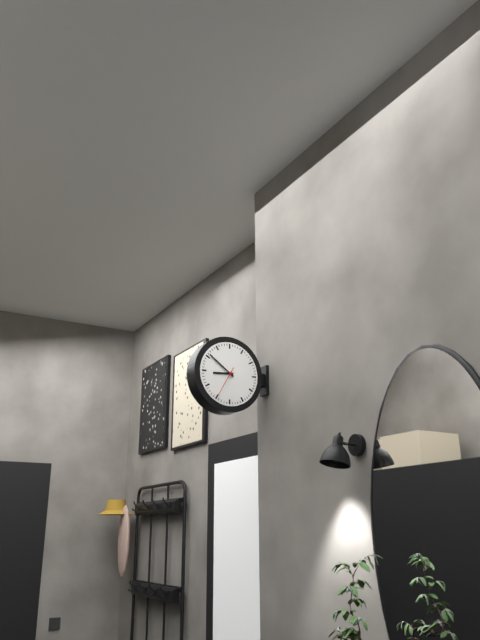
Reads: 8.51
